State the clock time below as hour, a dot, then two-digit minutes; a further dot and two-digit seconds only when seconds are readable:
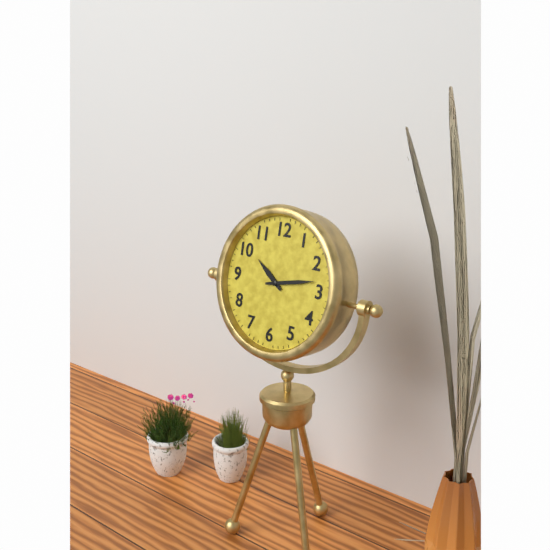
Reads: 10.13
